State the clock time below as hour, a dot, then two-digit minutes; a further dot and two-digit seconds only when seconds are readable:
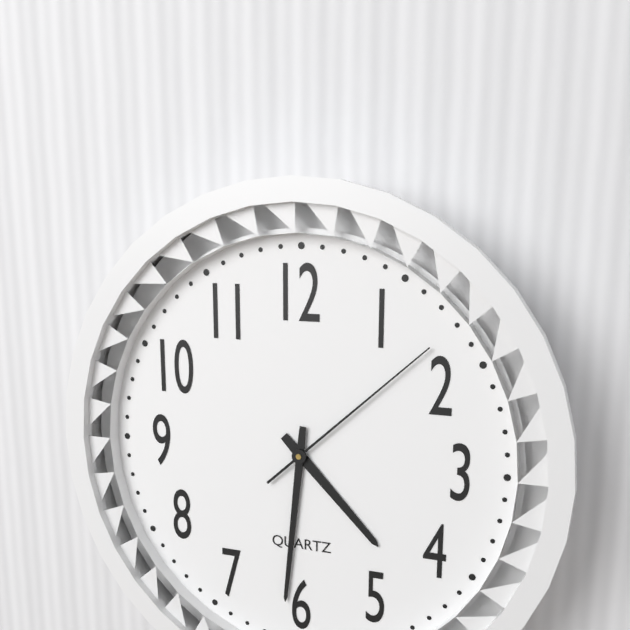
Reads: 4.31.08
